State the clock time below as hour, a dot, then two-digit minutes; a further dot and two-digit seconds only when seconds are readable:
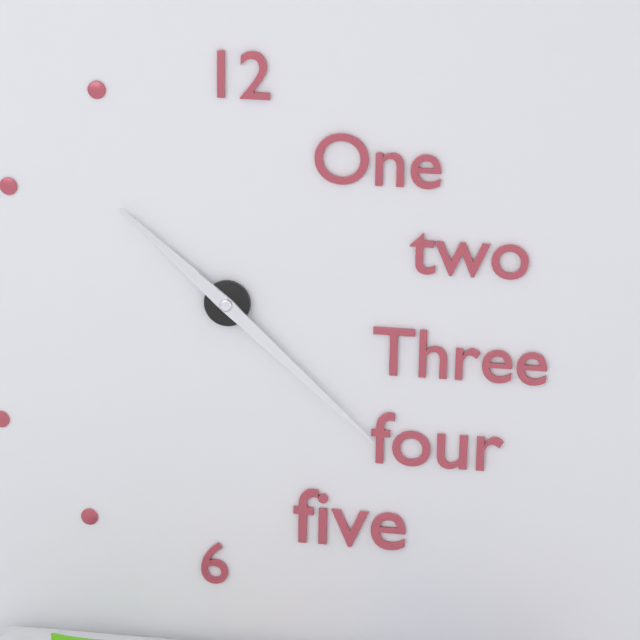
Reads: 10.22
